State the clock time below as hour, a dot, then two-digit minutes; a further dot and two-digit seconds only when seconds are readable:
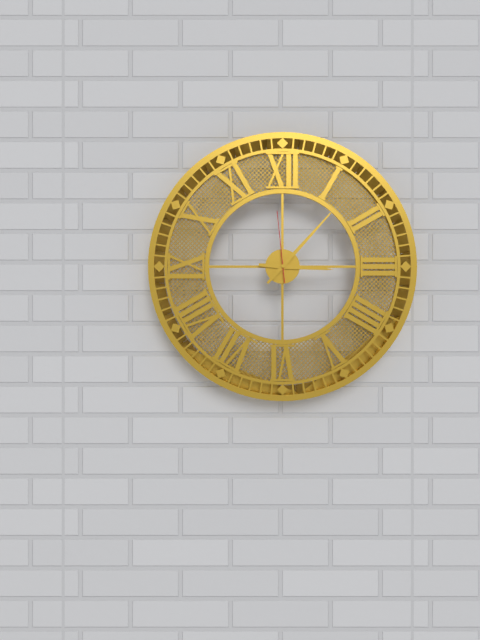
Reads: 3.07.59
